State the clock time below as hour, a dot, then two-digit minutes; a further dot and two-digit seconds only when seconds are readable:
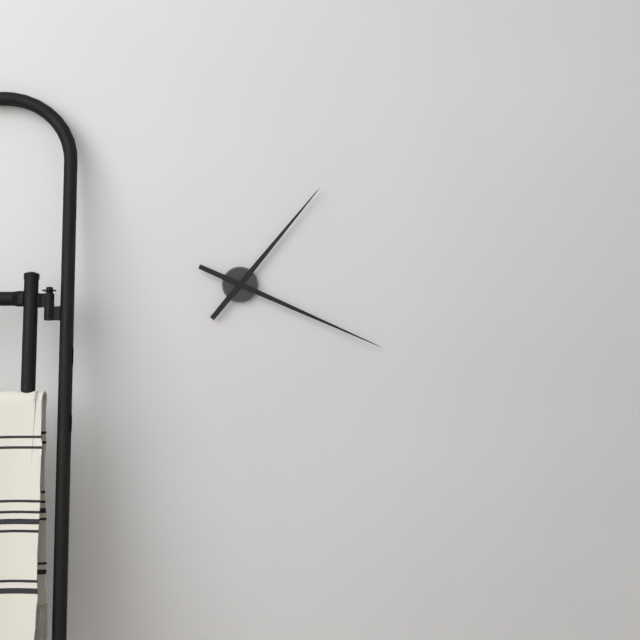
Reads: 1.19
